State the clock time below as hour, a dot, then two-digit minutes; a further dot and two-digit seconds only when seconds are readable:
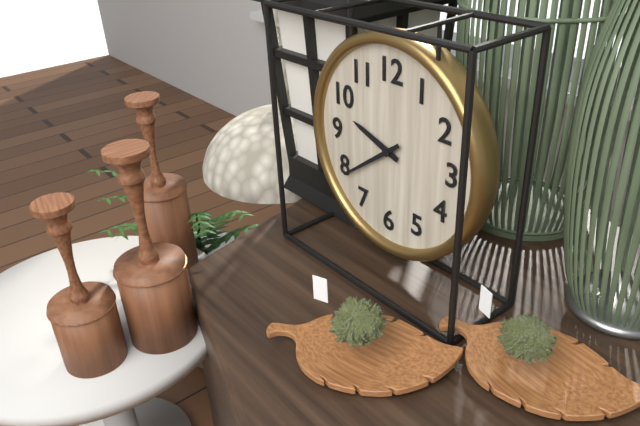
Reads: 9.39
